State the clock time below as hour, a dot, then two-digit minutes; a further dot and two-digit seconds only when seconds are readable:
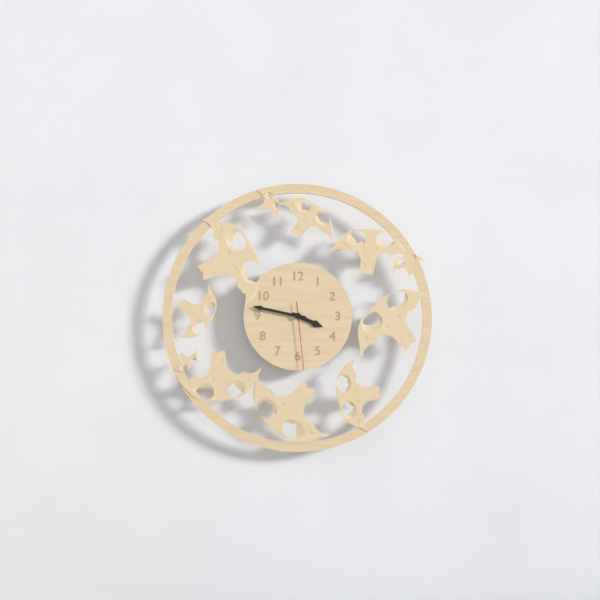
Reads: 3.47.29
